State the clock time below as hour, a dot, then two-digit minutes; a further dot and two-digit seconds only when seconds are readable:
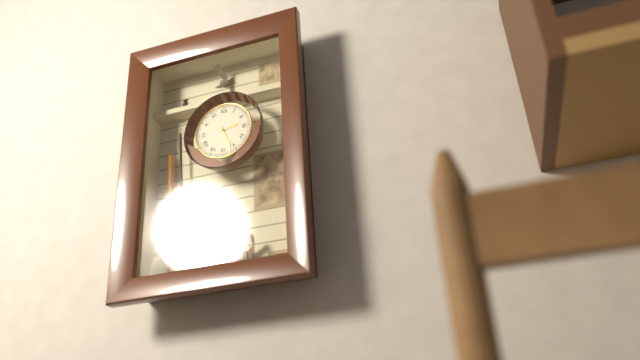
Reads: 2.27
